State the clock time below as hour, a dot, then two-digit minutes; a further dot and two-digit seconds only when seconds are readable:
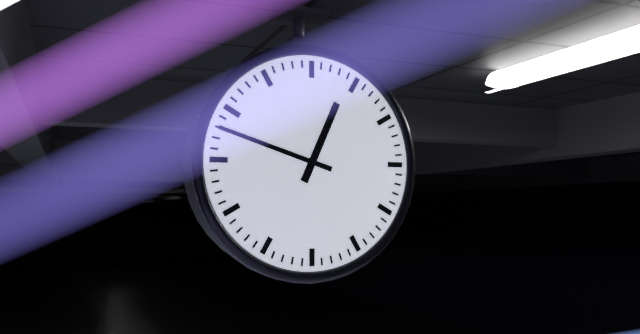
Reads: 12.48
